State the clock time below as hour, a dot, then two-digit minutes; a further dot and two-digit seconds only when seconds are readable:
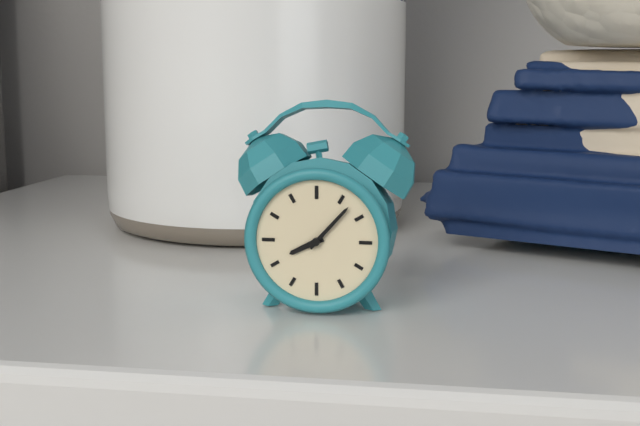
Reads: 8.07
